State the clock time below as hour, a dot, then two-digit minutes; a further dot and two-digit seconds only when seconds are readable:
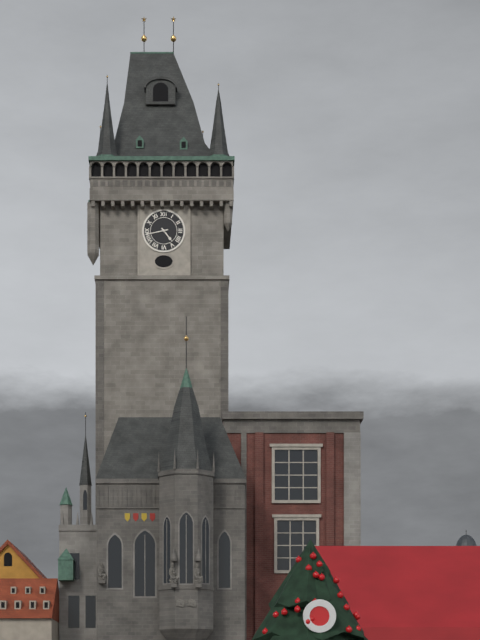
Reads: 4.43
